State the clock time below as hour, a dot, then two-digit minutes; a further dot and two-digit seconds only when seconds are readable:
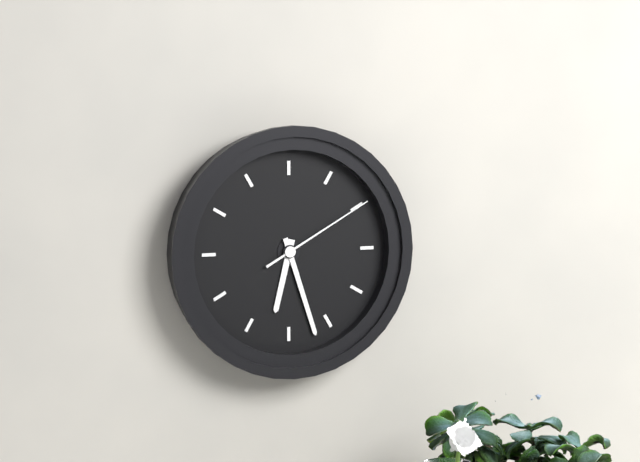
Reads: 6.27.10
